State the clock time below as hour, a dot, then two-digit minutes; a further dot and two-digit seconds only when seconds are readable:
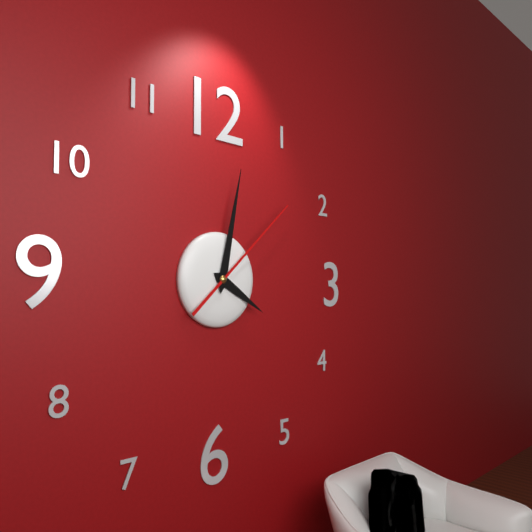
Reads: 4.02.08
